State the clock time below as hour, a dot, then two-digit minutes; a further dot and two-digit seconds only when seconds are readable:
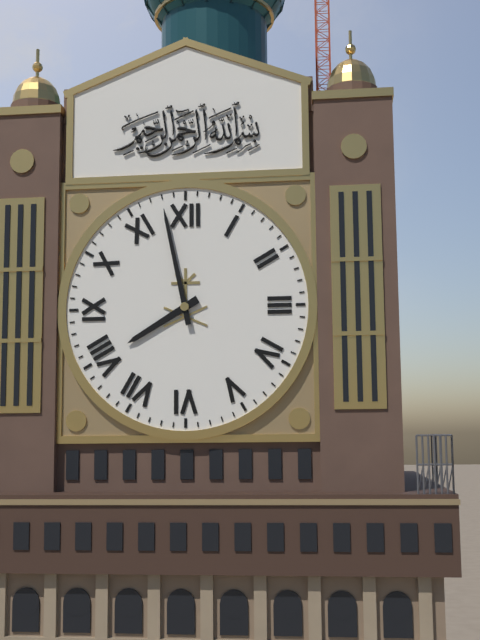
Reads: 7.58
